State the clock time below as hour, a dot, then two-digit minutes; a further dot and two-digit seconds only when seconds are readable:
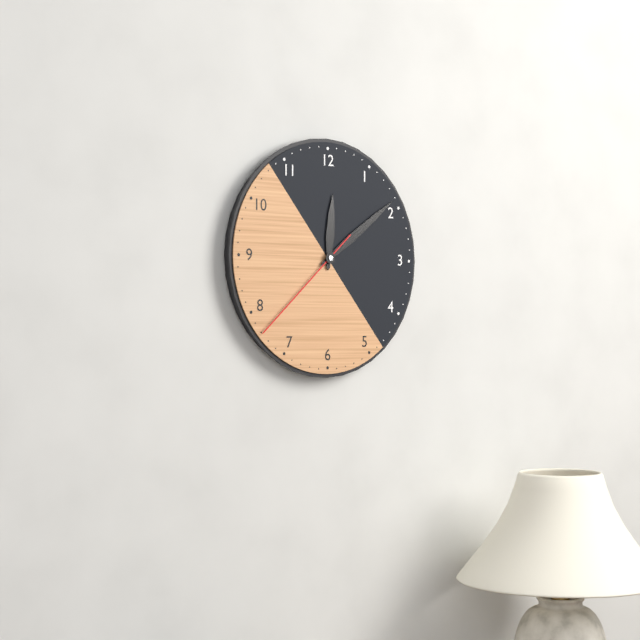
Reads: 12.09.38
